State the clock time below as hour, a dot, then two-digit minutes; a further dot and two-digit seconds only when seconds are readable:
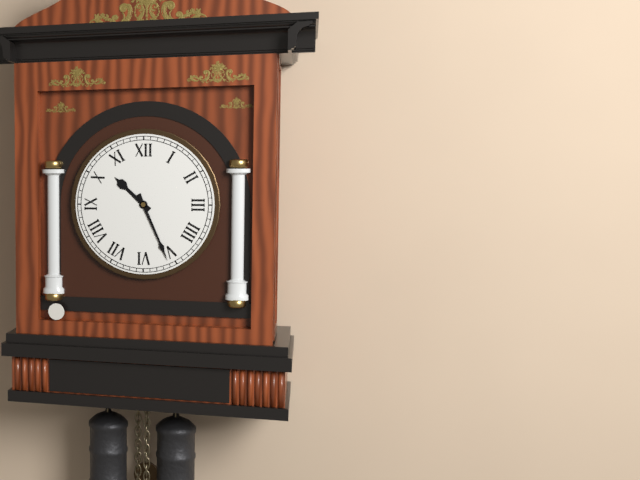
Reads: 10.26
